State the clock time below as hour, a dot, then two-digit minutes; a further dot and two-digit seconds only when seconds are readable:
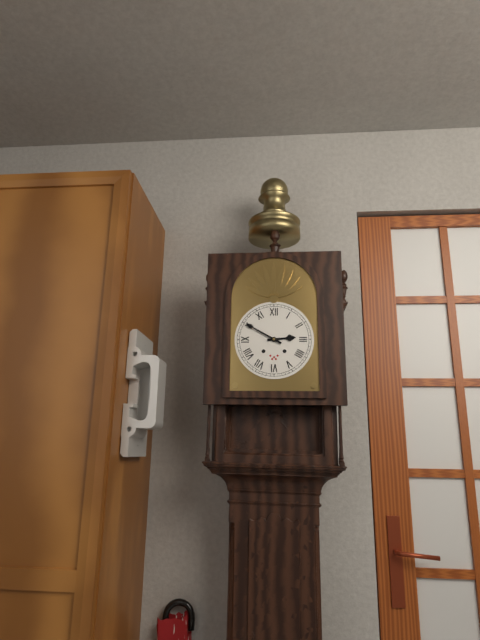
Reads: 2.50
